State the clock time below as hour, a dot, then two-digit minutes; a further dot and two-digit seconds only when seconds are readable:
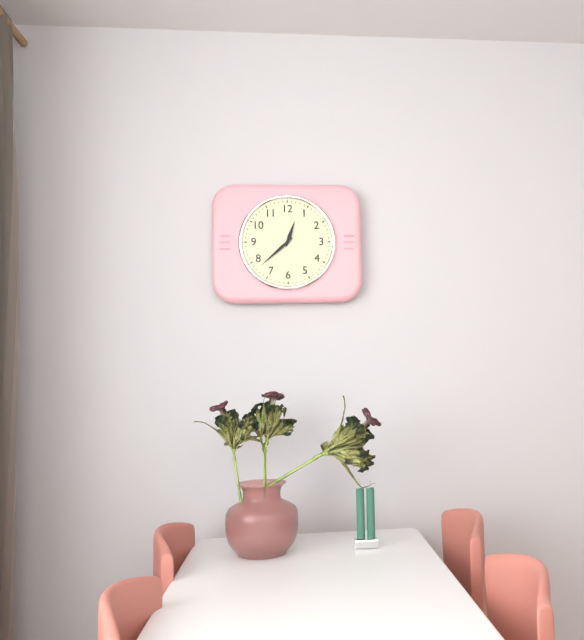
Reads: 12.38
